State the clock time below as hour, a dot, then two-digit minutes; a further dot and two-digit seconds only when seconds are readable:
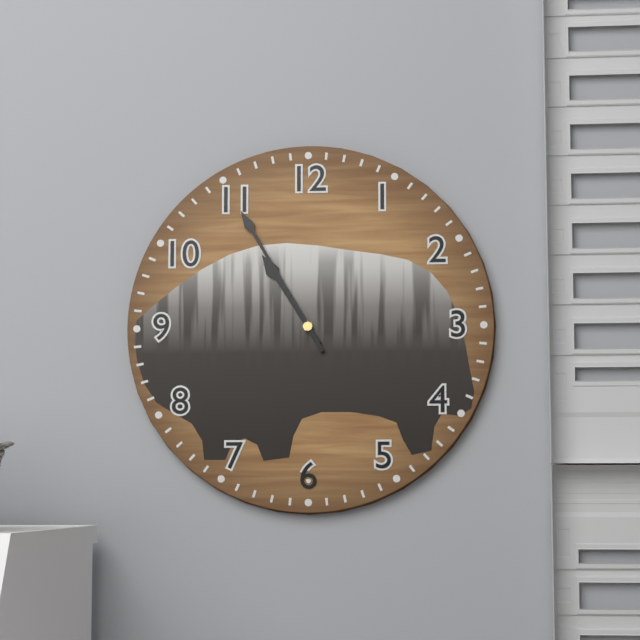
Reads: 10.55
